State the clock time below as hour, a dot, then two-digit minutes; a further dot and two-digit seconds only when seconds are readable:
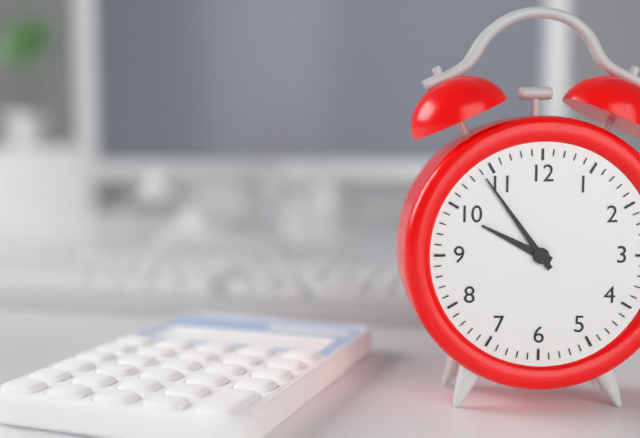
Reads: 9.54
